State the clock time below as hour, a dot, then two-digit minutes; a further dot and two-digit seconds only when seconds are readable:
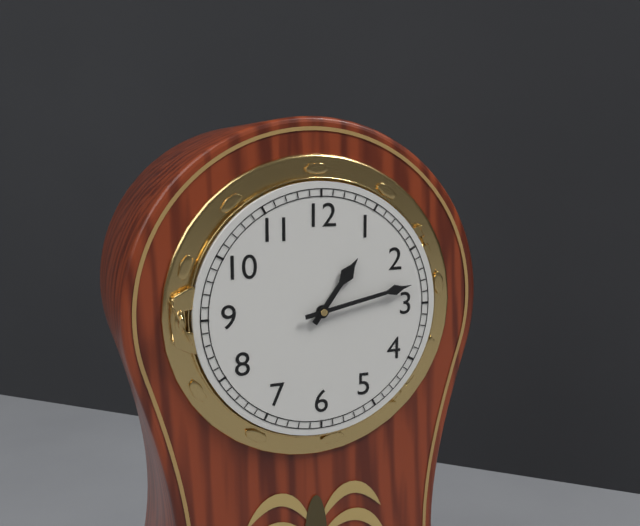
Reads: 1.13
